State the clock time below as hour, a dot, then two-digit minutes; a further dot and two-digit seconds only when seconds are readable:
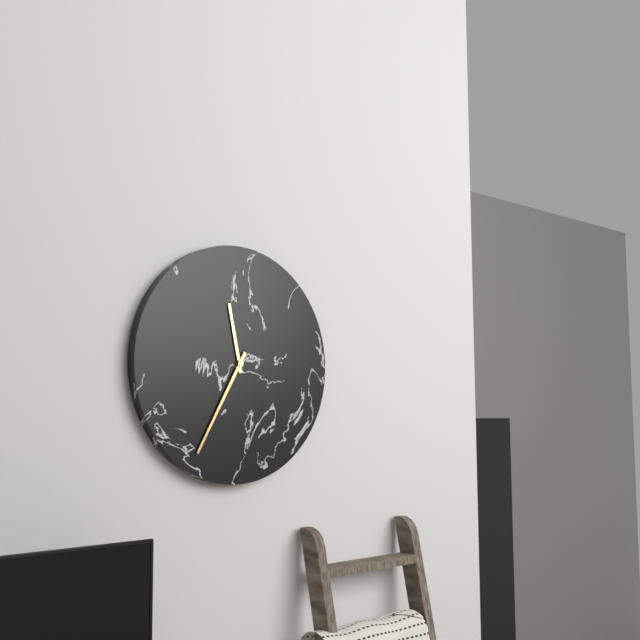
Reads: 11.35
